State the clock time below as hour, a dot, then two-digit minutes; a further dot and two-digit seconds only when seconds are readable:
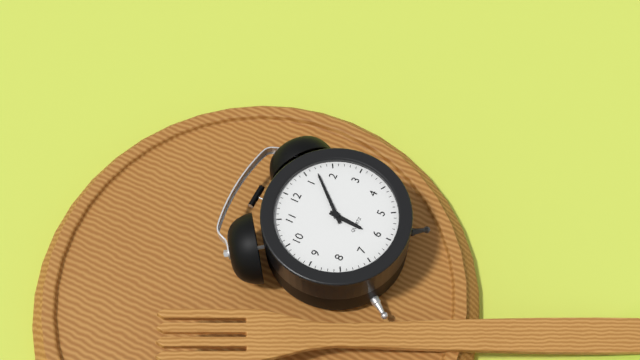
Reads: 6.07
